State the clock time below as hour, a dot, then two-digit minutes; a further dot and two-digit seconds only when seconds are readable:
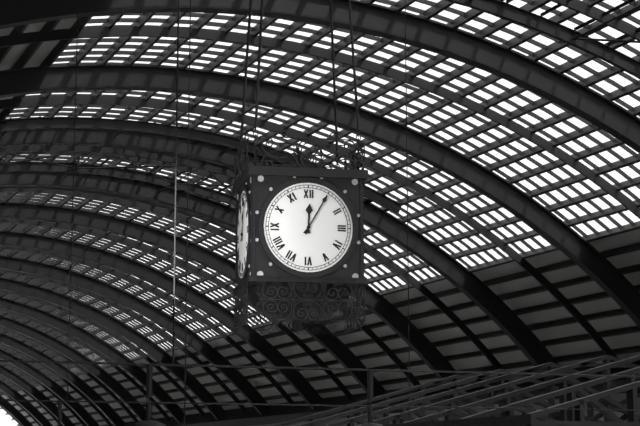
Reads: 12.05
